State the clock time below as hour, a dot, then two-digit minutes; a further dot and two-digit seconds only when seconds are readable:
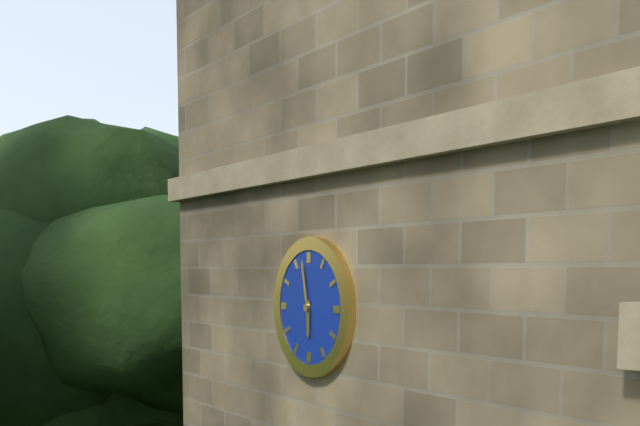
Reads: 5.58
